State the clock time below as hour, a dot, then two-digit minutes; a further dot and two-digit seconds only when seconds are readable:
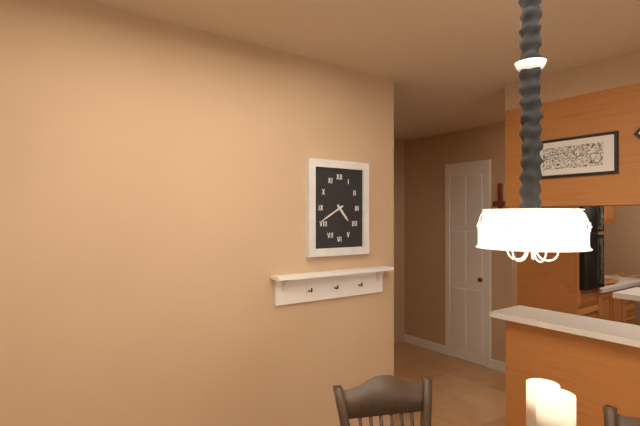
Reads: 4.40
